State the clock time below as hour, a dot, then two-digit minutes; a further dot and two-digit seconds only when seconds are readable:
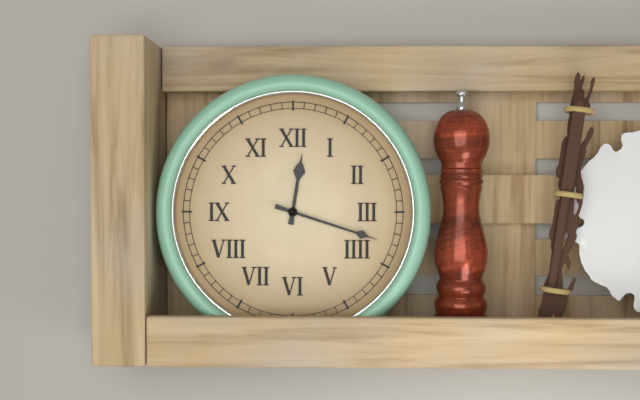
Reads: 12.18
